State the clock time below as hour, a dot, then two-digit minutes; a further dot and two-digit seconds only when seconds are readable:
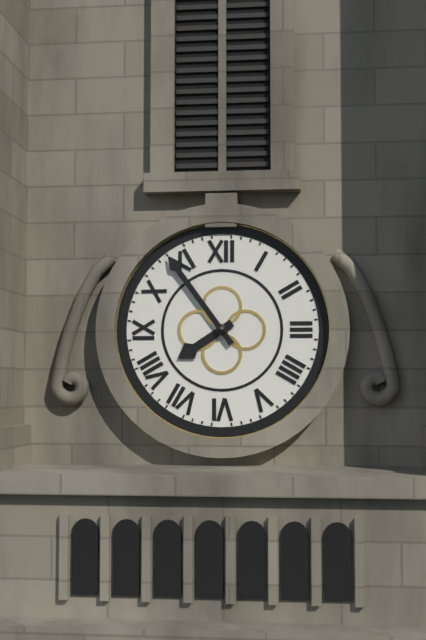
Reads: 7.54
